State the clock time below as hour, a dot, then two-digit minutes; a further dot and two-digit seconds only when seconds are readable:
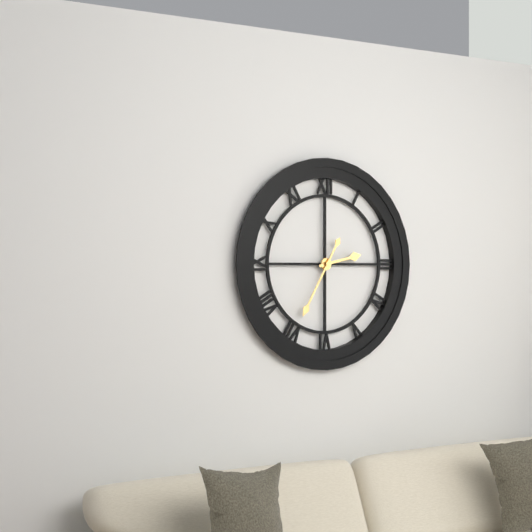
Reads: 2.35
